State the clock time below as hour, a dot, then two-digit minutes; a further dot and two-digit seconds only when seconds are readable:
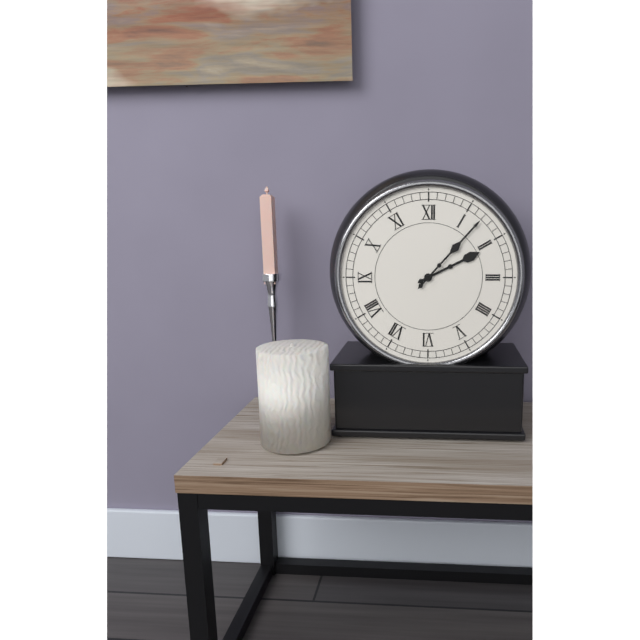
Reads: 2.07
